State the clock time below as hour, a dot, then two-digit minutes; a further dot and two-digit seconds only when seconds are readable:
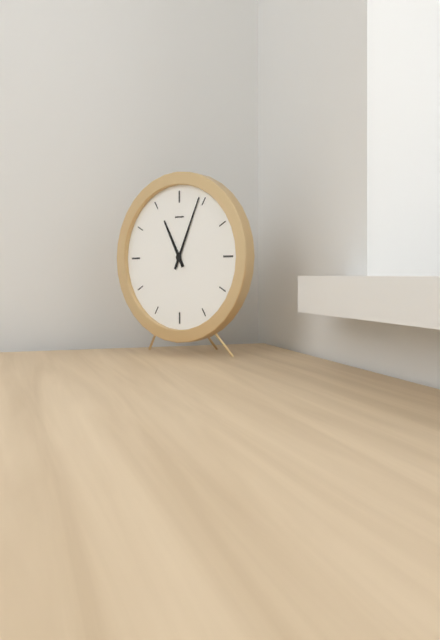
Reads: 11.04
